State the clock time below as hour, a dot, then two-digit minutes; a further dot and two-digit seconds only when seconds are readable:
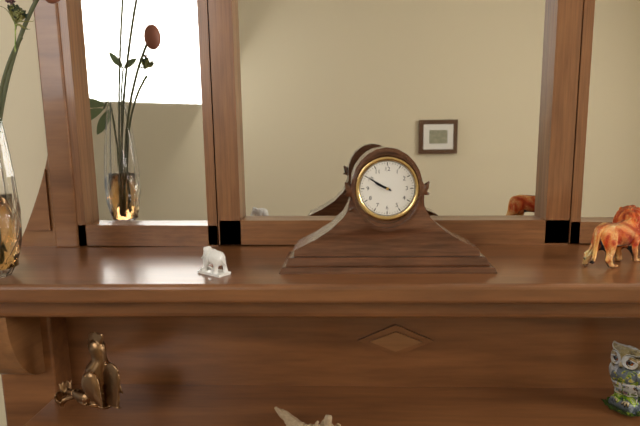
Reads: 9.50
